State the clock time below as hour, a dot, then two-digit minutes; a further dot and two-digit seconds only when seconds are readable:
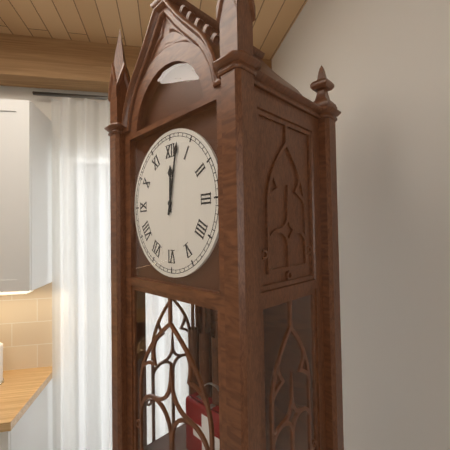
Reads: 12.02
